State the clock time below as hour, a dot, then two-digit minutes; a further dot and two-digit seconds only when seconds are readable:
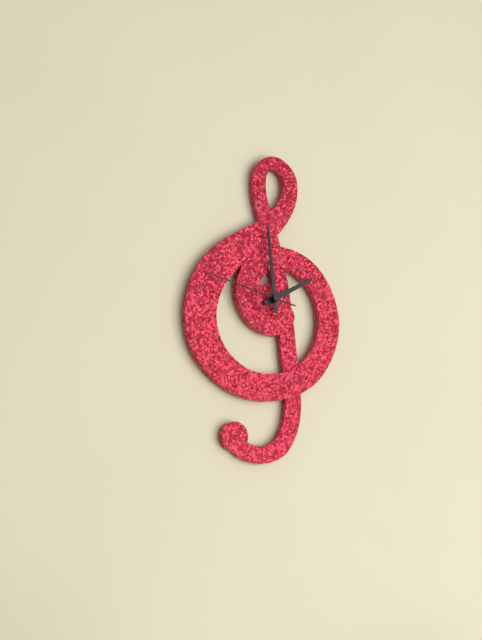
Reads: 1.59.47
